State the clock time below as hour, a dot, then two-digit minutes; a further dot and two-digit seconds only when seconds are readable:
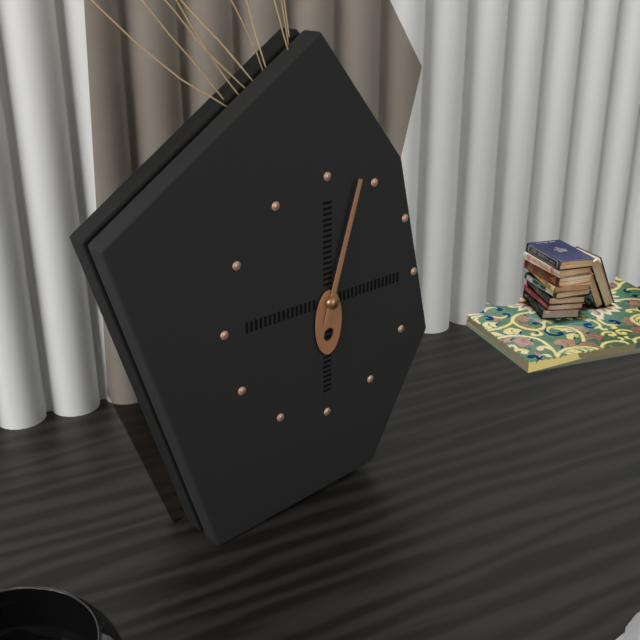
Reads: 6.03
